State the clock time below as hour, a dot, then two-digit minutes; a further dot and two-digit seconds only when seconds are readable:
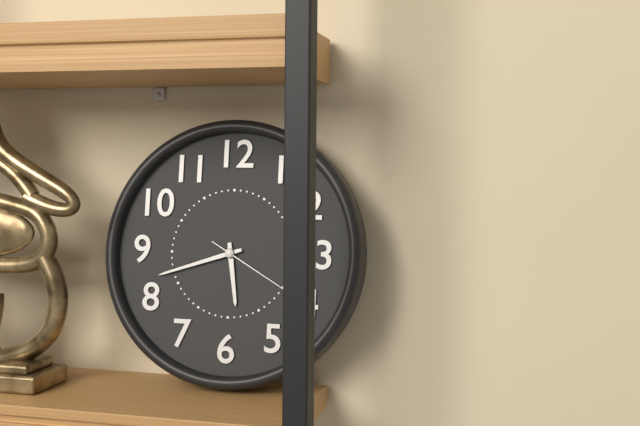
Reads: 5.42.20
